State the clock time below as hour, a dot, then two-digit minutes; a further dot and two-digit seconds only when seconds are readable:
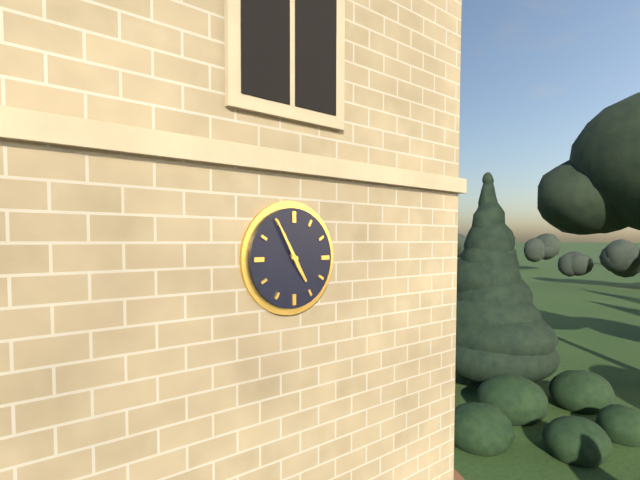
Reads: 4.55
